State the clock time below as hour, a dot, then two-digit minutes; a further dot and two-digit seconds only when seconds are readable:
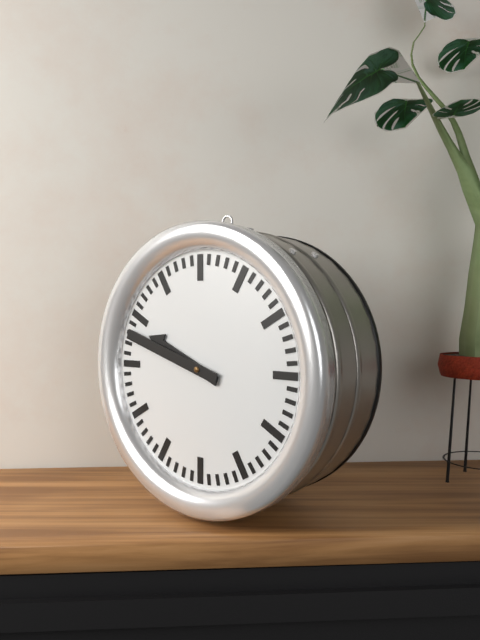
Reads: 9.48
